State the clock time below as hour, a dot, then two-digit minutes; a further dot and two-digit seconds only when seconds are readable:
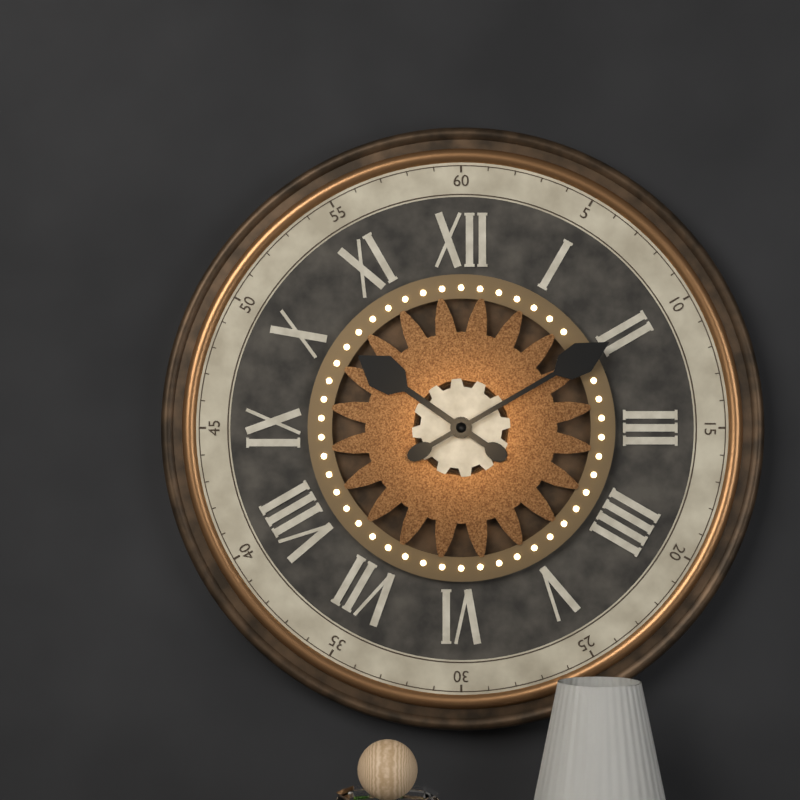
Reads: 10.10
